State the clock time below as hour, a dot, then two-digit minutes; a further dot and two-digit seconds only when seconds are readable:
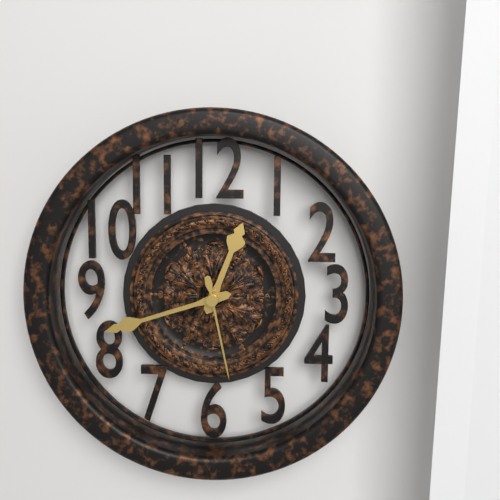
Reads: 12.42.28
